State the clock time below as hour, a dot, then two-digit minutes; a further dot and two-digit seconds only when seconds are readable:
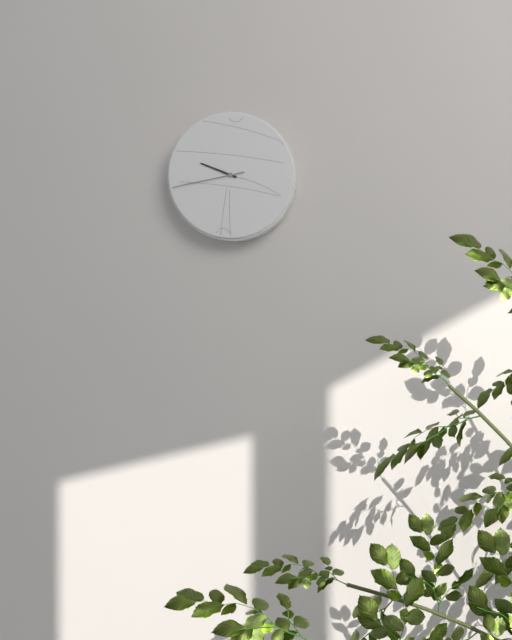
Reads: 9.43
